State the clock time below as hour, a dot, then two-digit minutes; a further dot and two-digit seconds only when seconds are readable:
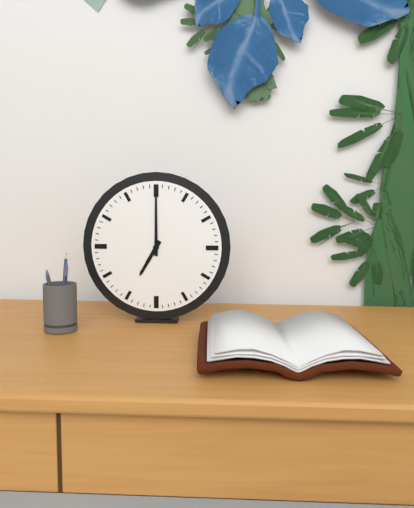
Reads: 7.00
